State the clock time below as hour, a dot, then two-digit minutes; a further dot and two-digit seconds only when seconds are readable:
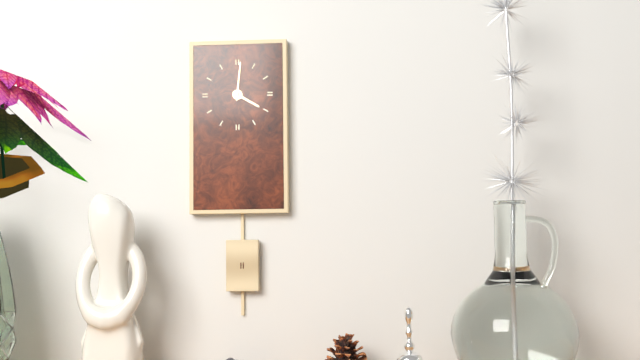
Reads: 4.01
